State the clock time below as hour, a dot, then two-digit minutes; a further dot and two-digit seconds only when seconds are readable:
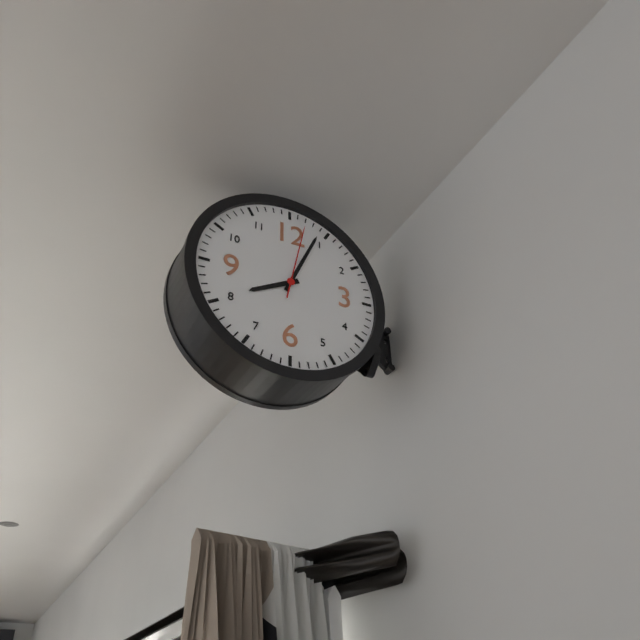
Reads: 8.04.02
